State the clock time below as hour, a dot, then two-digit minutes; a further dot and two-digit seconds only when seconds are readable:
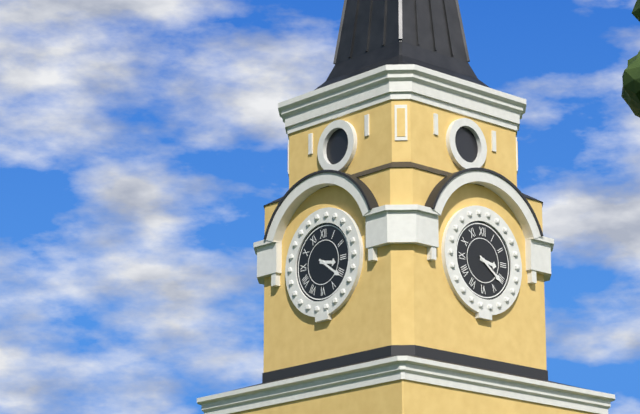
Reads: 3.21
